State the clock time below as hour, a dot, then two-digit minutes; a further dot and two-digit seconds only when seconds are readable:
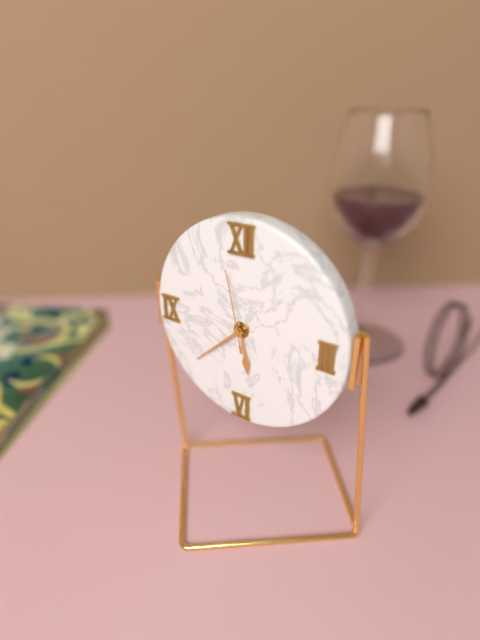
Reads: 5.38.58
